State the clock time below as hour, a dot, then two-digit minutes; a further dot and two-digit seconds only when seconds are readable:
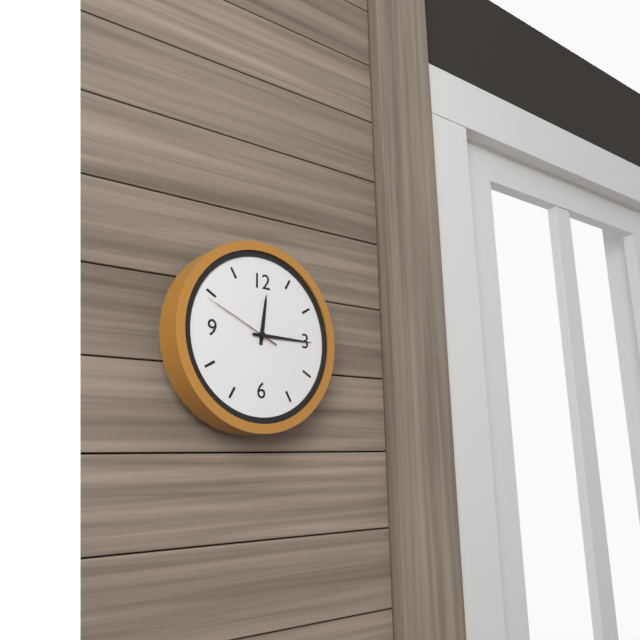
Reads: 12.15.49
